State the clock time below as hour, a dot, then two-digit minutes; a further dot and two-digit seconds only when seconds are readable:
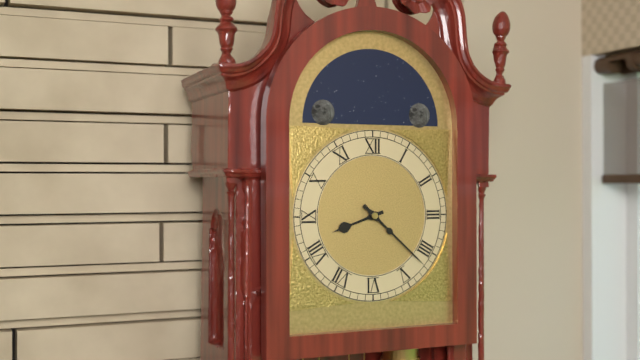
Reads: 8.22
